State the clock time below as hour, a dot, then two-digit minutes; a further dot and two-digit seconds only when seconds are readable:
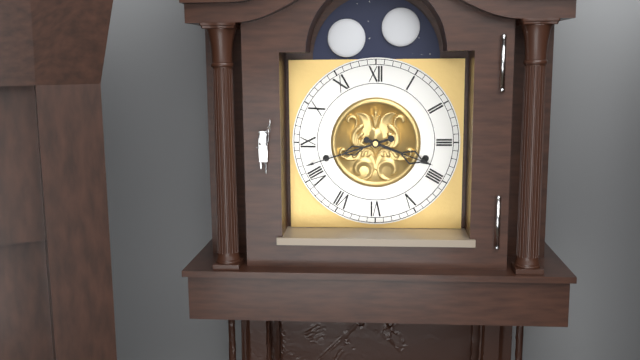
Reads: 3.42
